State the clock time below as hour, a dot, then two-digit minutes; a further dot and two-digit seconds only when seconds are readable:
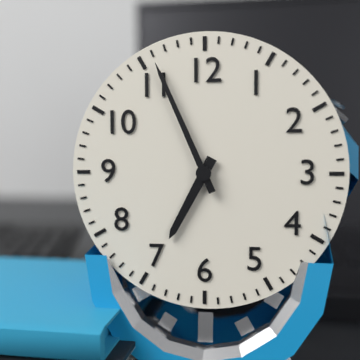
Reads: 6.56
